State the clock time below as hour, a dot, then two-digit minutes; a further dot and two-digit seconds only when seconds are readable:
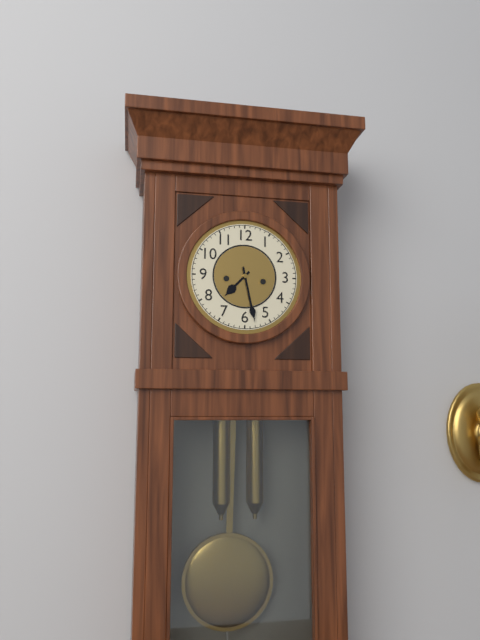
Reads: 7.28
